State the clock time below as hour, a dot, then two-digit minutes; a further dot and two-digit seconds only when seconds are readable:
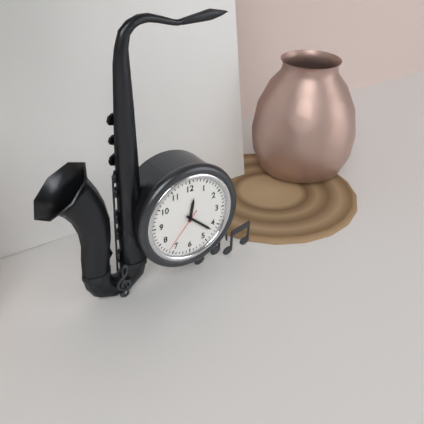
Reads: 12.22
